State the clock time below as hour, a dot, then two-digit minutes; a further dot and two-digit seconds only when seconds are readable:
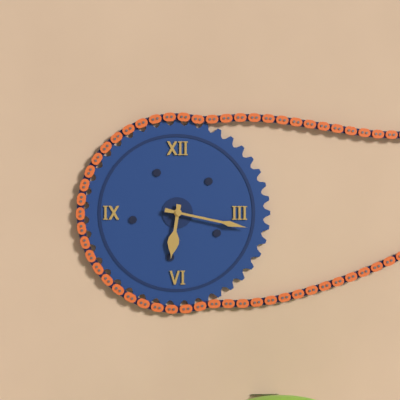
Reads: 6.17
